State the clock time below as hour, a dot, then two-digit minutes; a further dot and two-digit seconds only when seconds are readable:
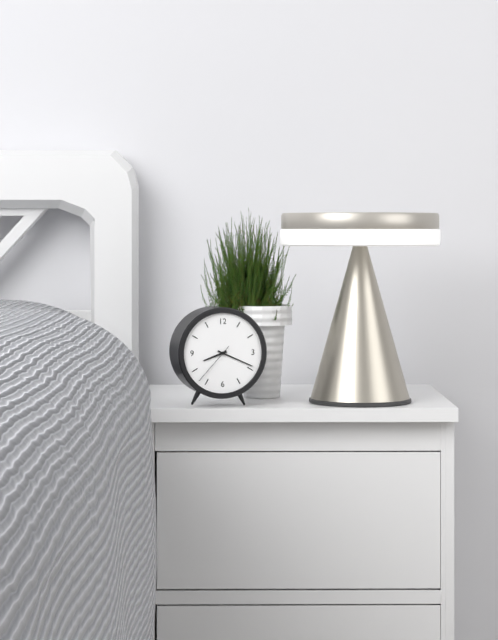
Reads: 8.19
